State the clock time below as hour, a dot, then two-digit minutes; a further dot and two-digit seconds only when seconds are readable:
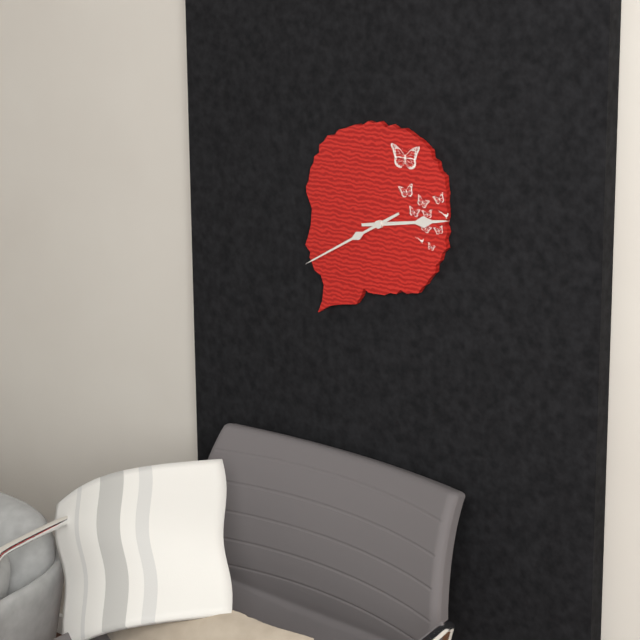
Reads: 2.40
